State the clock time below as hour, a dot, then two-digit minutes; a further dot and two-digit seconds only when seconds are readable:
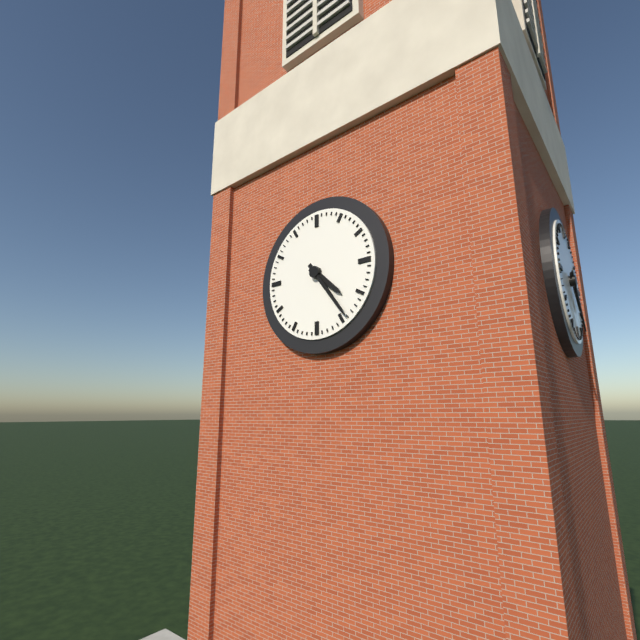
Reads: 4.24
